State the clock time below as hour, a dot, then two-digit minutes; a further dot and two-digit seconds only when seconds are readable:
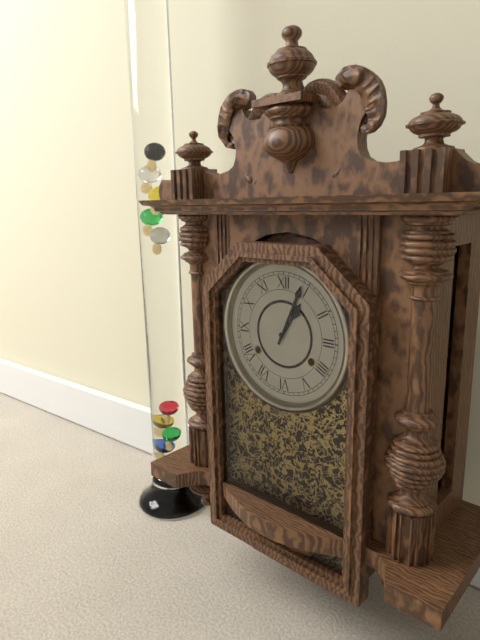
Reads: 1.04
